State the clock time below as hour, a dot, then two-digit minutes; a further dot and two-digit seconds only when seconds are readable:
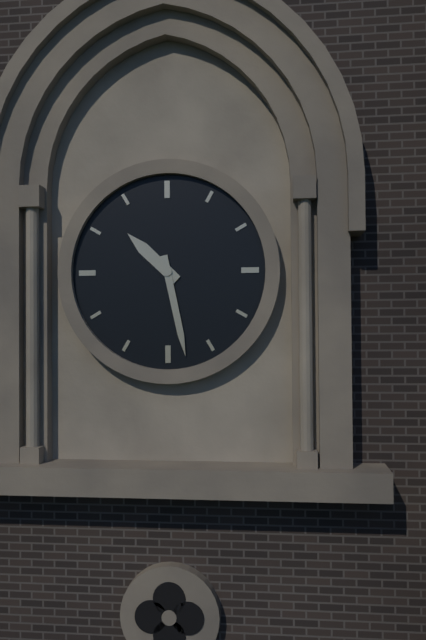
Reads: 10.28
